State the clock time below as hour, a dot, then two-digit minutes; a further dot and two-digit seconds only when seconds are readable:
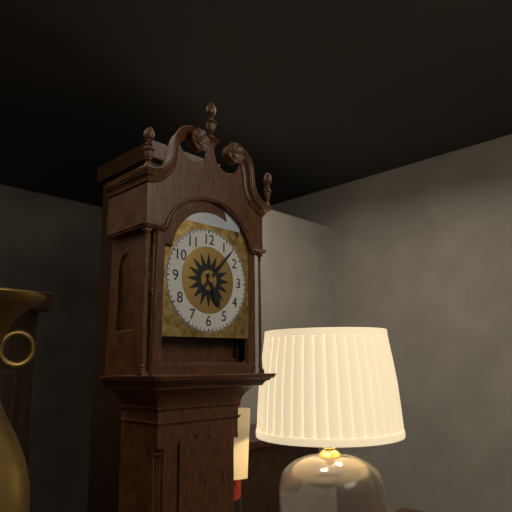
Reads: 5.07
